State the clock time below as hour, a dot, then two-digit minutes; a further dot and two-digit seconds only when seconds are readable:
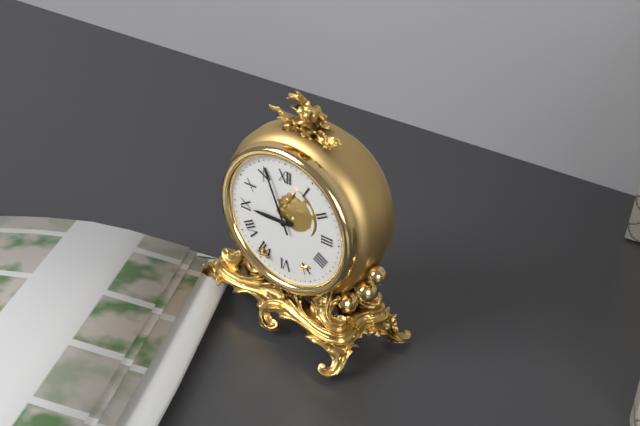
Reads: 8.56
